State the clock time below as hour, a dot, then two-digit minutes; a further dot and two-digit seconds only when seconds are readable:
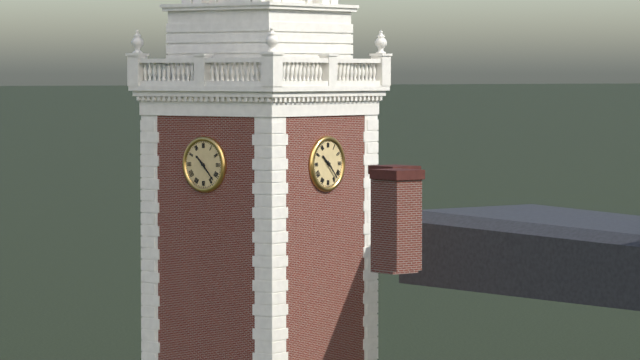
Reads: 10.23
